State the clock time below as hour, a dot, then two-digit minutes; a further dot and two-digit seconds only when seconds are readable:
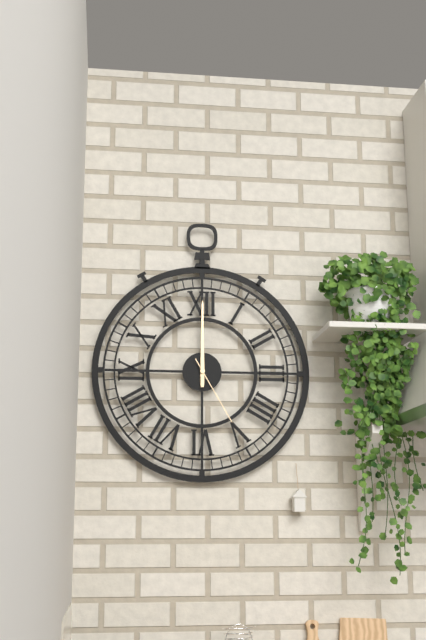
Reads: 12.00.25
